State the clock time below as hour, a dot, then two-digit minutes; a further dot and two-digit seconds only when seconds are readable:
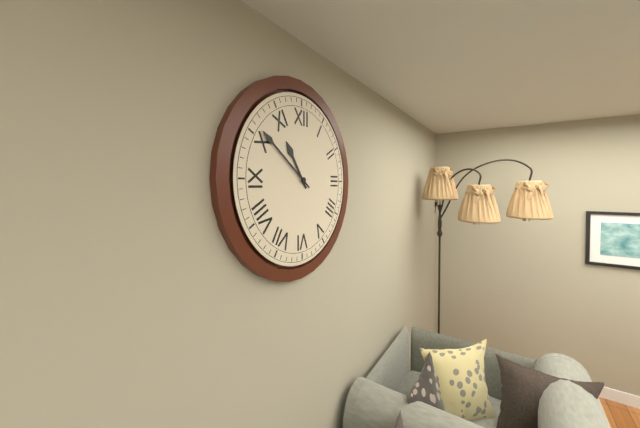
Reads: 10.51
